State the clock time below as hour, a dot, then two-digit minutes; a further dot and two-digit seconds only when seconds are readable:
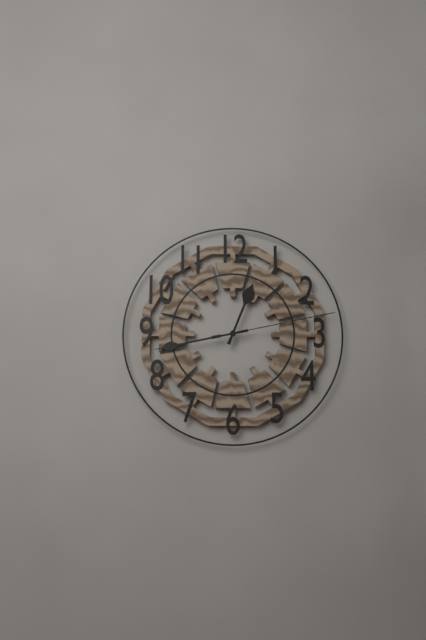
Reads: 12.43.13
